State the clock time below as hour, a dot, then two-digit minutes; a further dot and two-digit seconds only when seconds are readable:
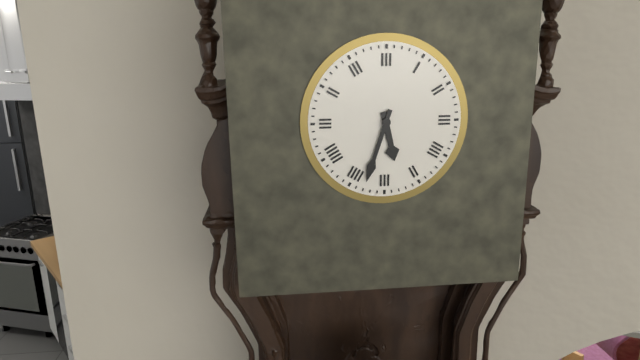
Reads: 5.33
